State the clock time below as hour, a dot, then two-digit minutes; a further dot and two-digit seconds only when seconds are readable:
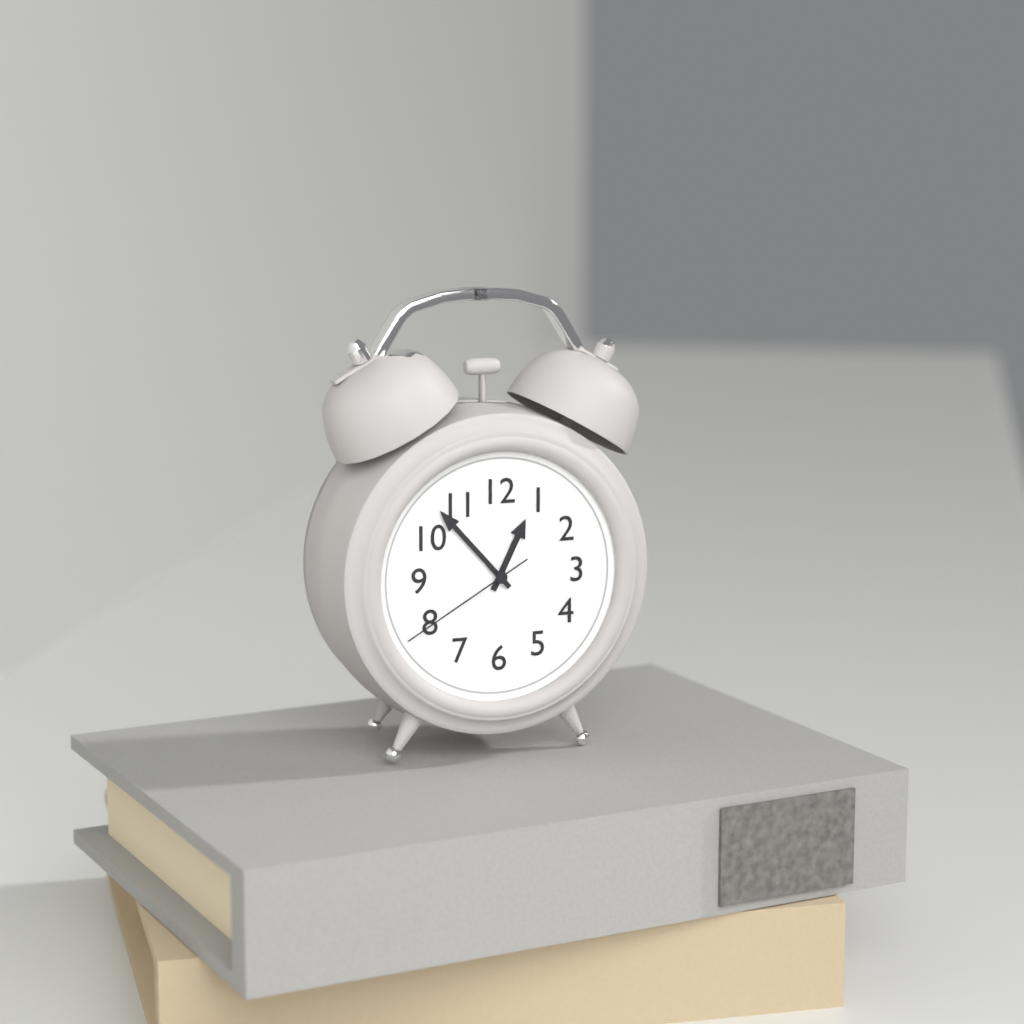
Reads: 12.53.40
